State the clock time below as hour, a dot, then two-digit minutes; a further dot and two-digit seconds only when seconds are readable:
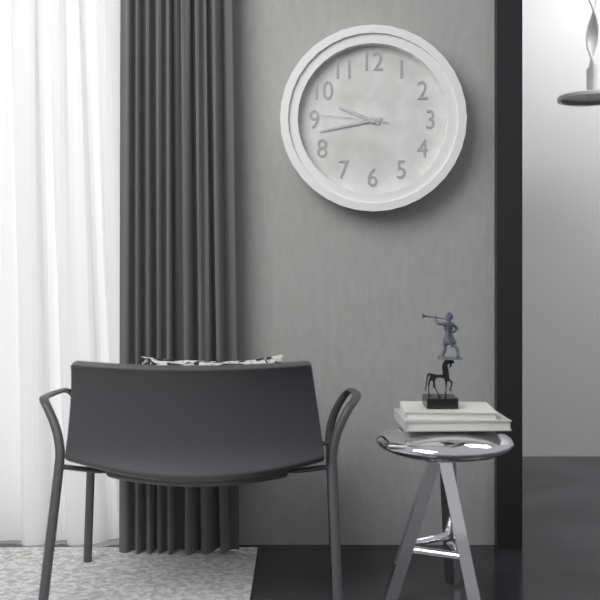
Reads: 9.43.46
